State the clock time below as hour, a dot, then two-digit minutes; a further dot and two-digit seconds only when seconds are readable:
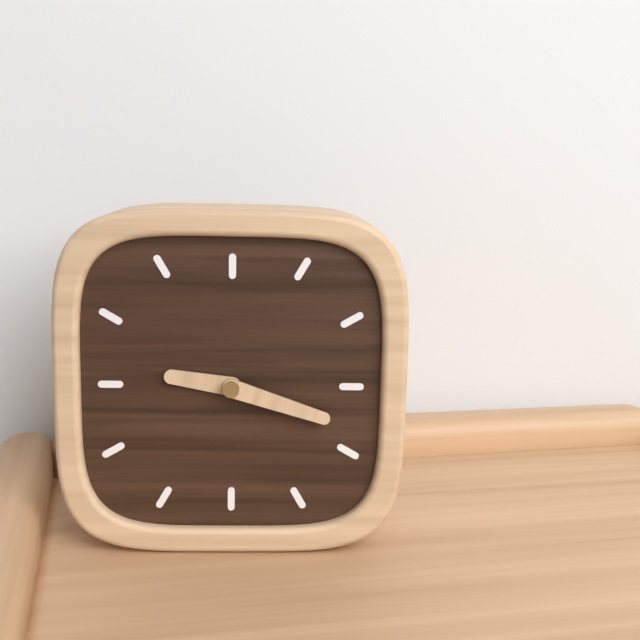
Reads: 9.18
